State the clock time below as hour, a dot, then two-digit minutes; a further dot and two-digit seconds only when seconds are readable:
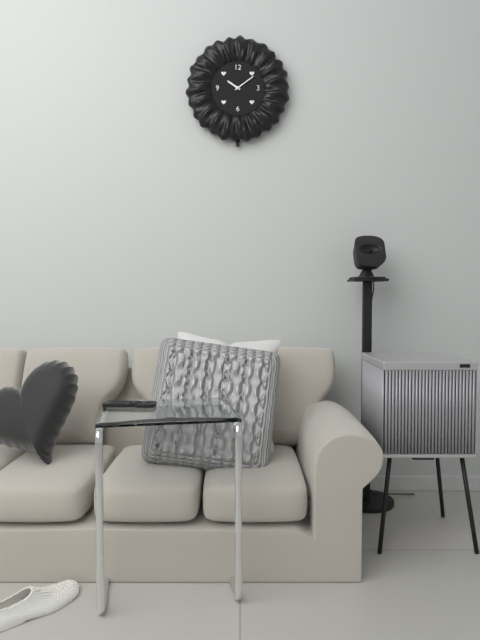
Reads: 10.09
